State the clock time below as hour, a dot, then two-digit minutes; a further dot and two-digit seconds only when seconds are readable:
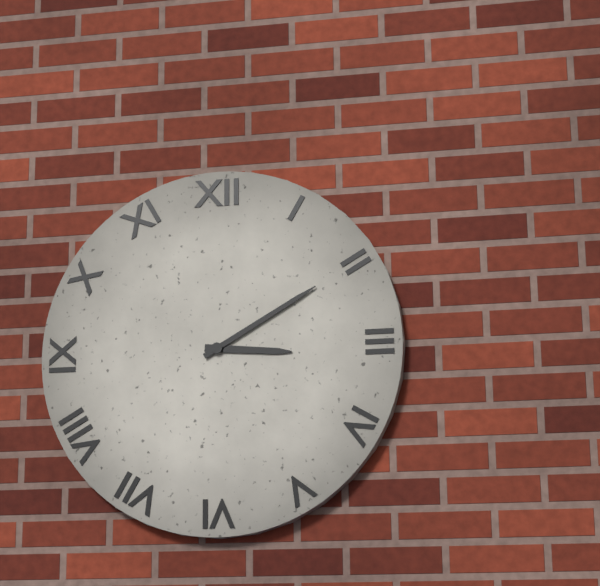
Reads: 3.10
